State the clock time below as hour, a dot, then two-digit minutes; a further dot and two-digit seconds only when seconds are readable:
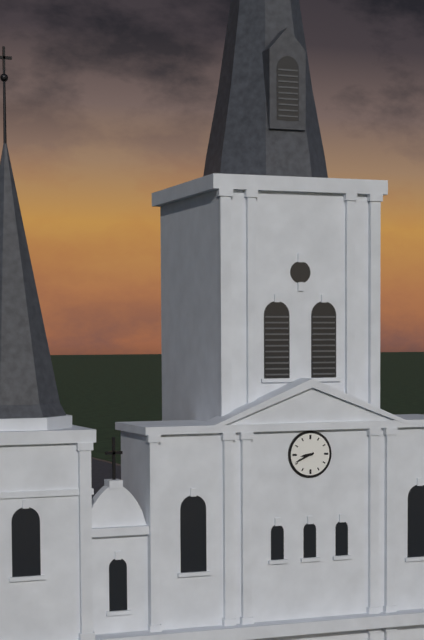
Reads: 8.41
